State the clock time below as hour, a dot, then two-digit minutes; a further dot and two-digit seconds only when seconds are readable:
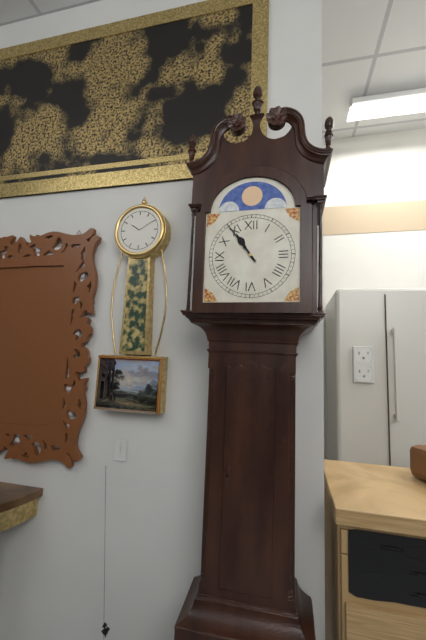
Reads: 10.54
